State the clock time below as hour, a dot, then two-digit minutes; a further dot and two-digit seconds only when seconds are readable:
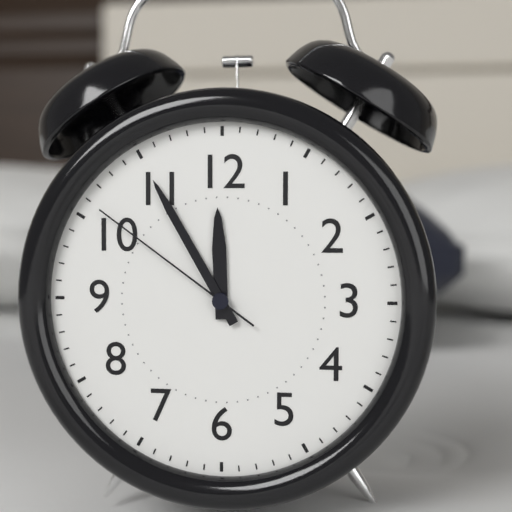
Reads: 11.55.51
